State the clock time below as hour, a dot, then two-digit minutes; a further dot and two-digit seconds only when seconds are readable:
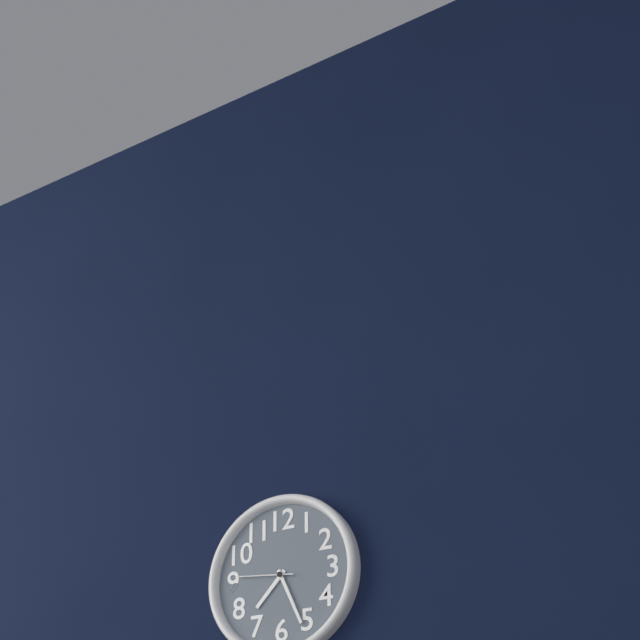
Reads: 7.26.46
